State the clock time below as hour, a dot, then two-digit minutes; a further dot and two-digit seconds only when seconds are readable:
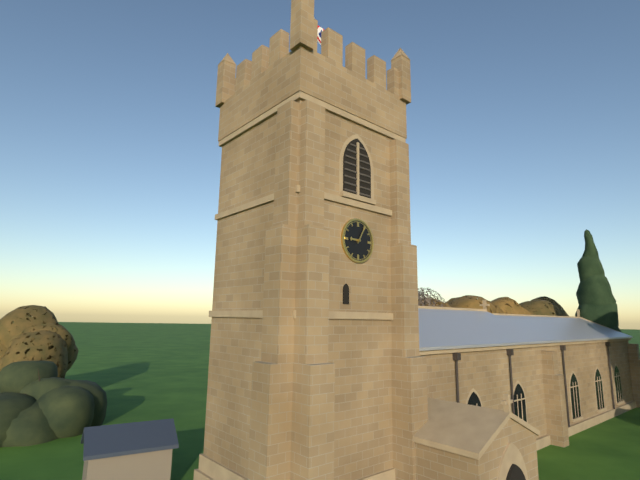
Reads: 9.05
